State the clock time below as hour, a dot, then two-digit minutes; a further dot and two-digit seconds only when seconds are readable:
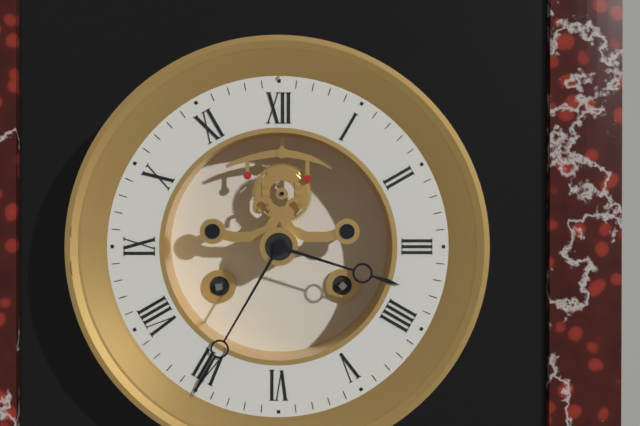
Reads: 3.35
